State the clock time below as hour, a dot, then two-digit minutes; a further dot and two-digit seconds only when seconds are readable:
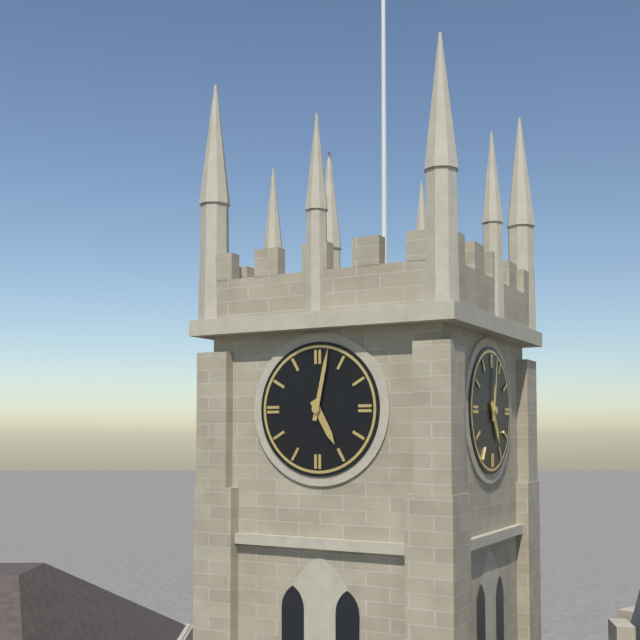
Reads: 5.02
